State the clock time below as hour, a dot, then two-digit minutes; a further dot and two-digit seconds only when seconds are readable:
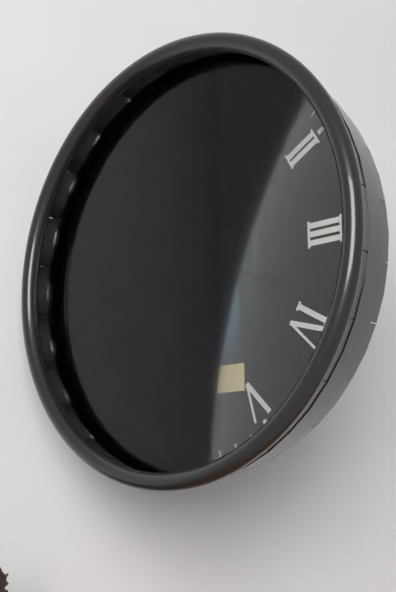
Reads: 1.18
